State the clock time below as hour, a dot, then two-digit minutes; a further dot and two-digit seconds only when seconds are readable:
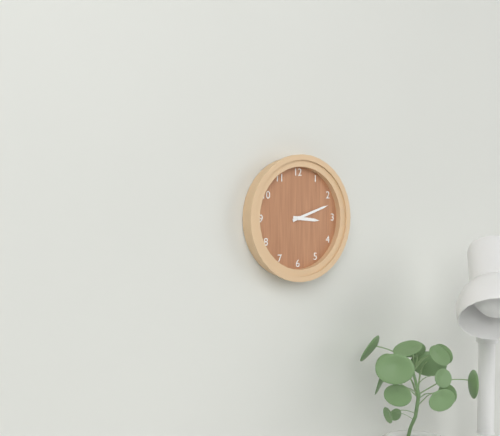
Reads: 3.12
